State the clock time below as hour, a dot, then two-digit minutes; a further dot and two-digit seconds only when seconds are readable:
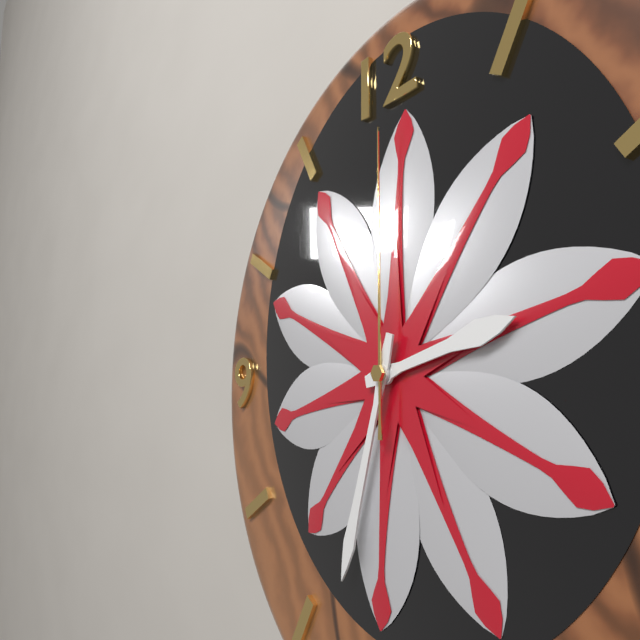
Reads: 2.33.00
